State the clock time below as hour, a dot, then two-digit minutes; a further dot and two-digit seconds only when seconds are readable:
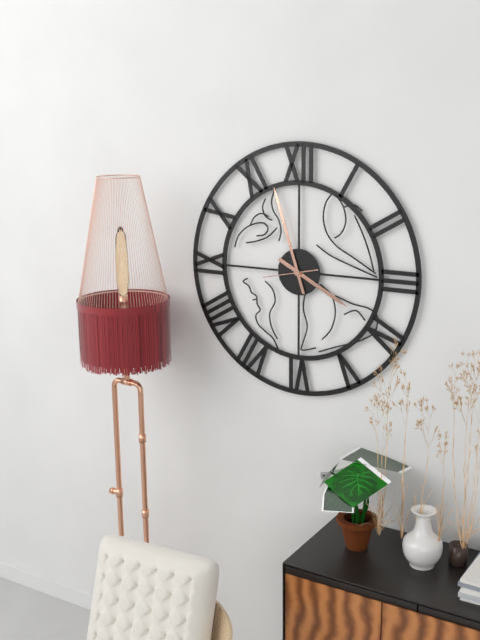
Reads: 3.57
